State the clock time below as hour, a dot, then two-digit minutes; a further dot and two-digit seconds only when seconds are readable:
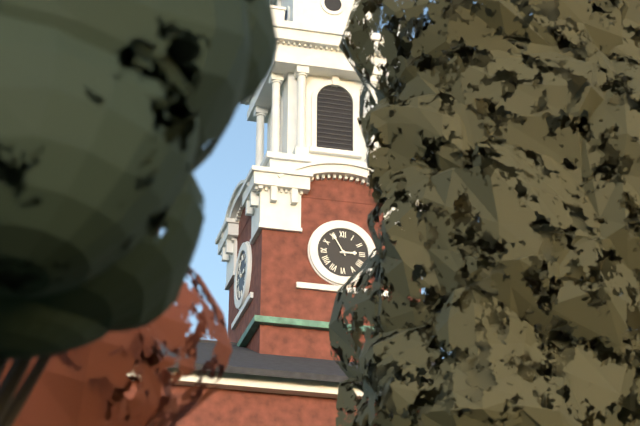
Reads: 2.55
